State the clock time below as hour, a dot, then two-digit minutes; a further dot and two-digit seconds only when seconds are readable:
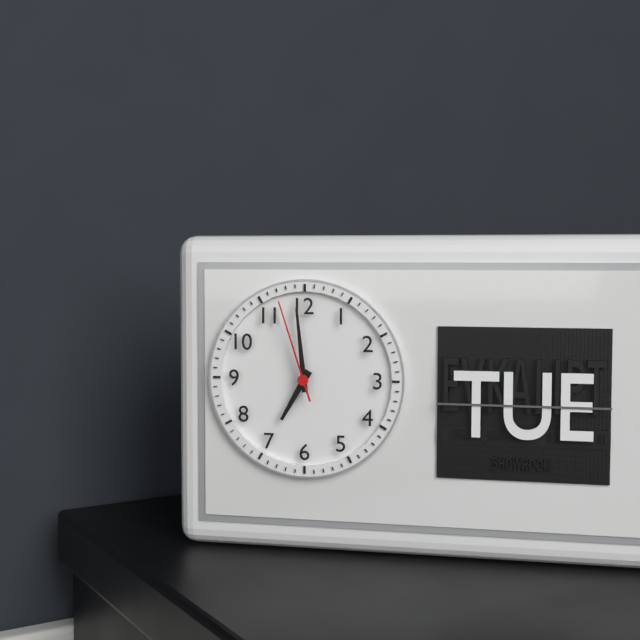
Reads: 6.59.57
